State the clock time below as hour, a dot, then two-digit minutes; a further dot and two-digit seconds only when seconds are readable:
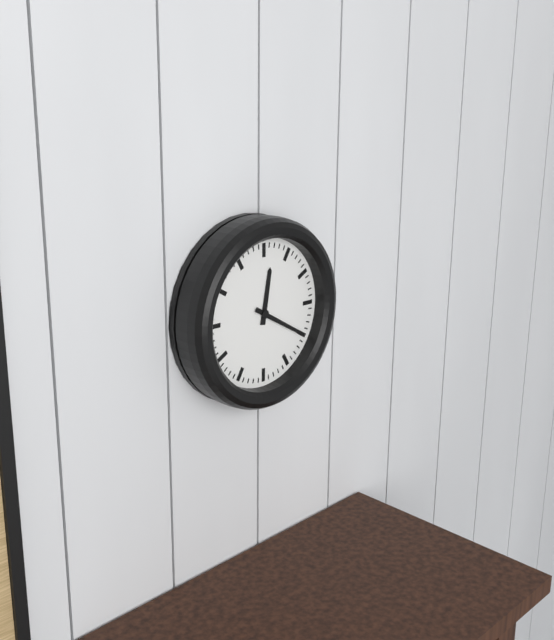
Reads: 12.20
